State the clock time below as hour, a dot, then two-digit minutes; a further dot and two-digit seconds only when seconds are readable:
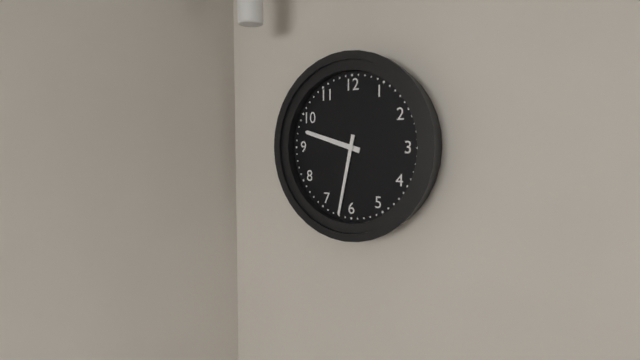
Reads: 9.32
